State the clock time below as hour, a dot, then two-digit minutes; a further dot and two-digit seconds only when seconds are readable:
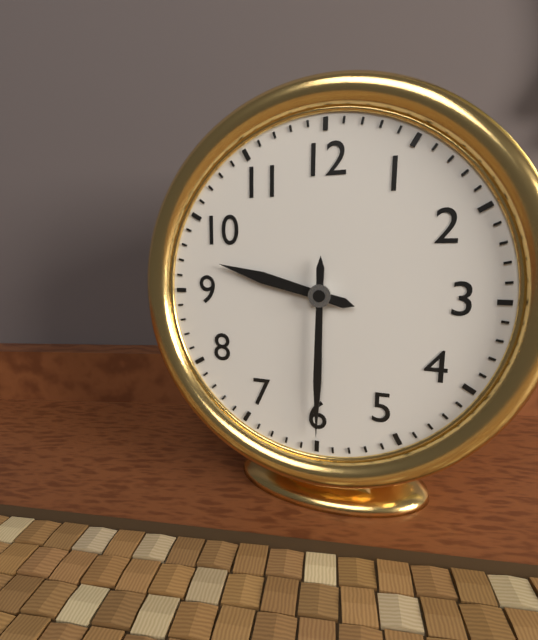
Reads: 9.30
